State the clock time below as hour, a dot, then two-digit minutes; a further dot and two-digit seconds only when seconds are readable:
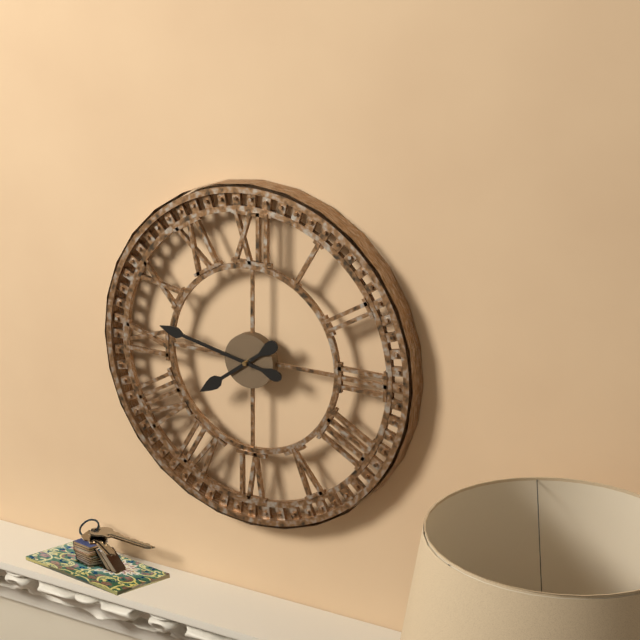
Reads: 7.47
